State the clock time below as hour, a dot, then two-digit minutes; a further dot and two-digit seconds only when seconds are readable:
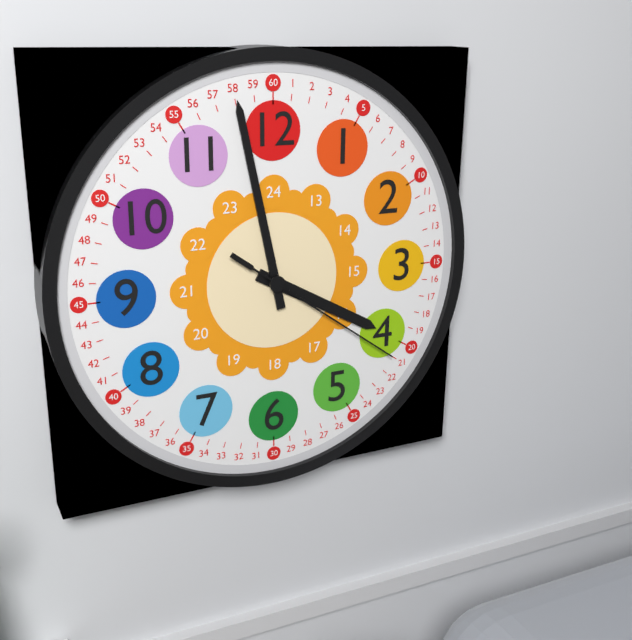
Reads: 3.58.21
